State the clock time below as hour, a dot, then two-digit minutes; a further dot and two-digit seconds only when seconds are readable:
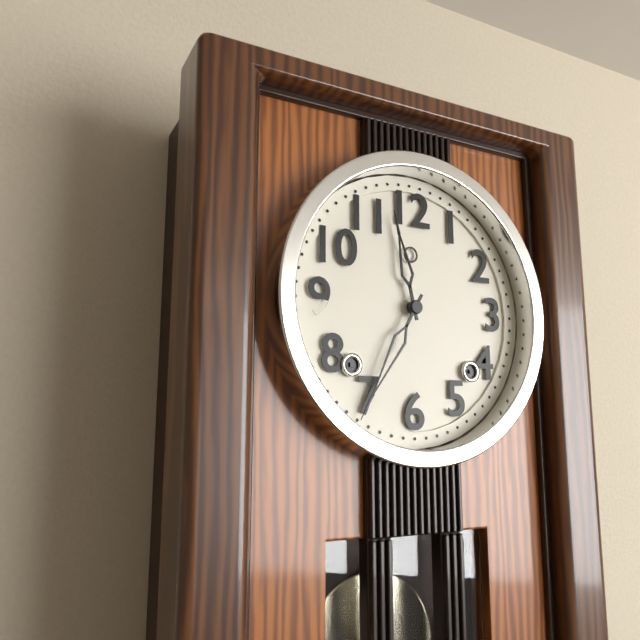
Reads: 11.35
